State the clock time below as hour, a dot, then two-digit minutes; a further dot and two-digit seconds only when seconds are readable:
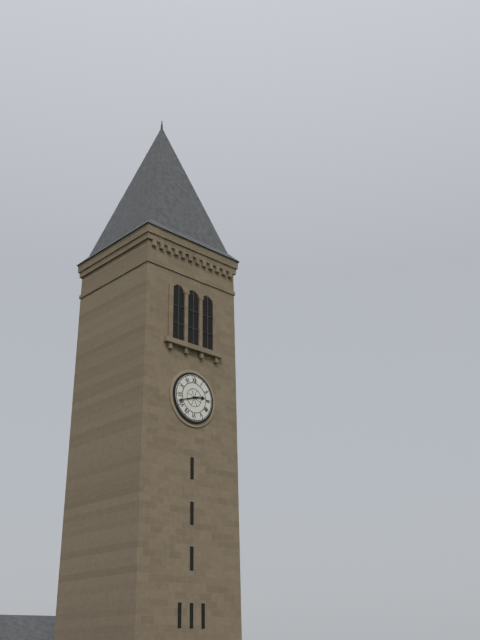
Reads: 2.42
